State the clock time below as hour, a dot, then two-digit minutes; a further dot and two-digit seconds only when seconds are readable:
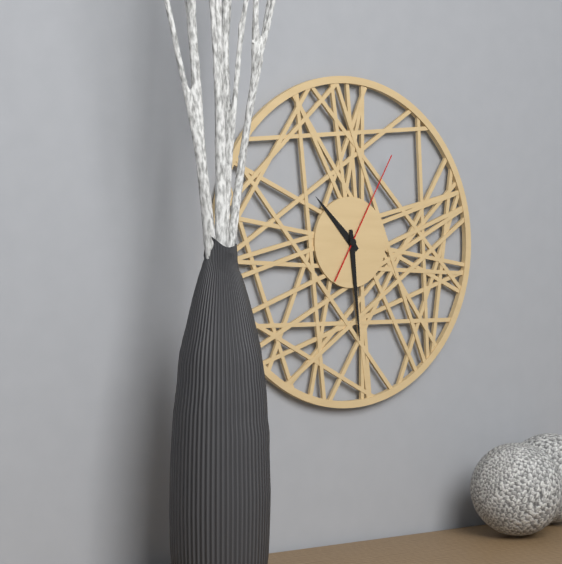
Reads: 10.29.05
